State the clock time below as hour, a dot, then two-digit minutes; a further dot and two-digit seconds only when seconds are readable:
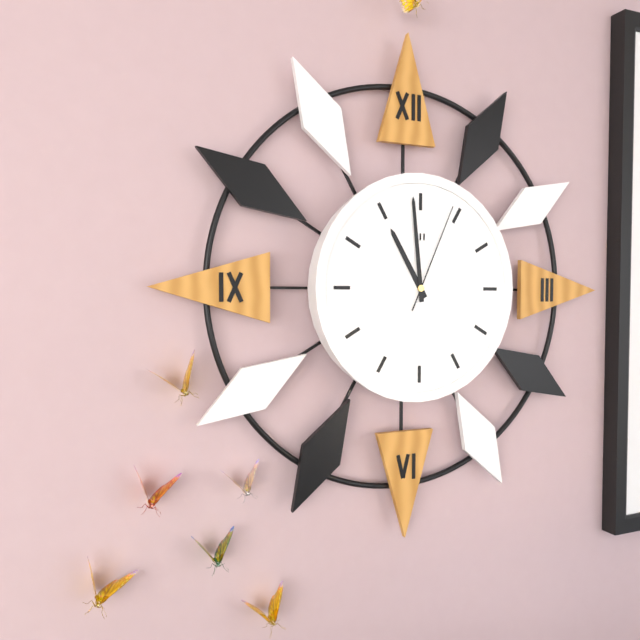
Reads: 10.59.04
